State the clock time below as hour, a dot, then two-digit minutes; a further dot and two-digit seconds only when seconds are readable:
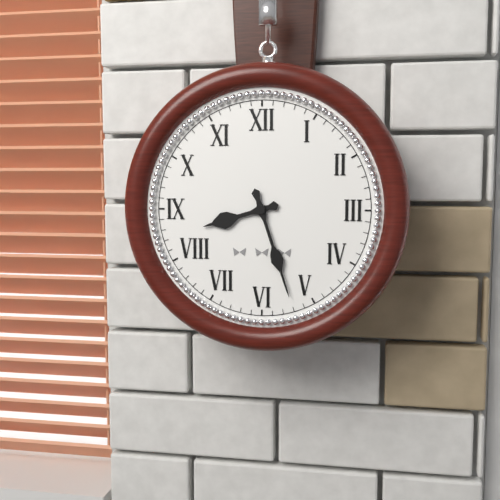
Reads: 8.27
